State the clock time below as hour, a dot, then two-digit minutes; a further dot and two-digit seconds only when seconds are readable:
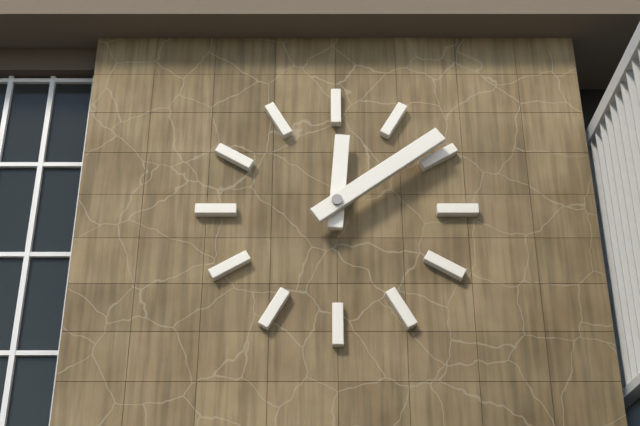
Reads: 12.09
